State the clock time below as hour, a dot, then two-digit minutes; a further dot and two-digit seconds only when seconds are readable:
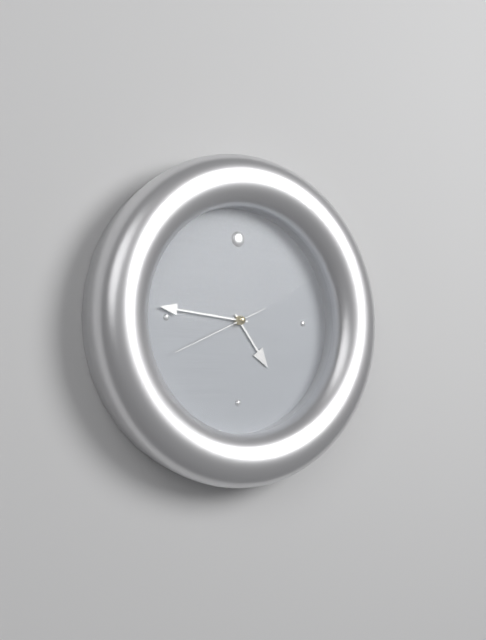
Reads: 4.46.41
